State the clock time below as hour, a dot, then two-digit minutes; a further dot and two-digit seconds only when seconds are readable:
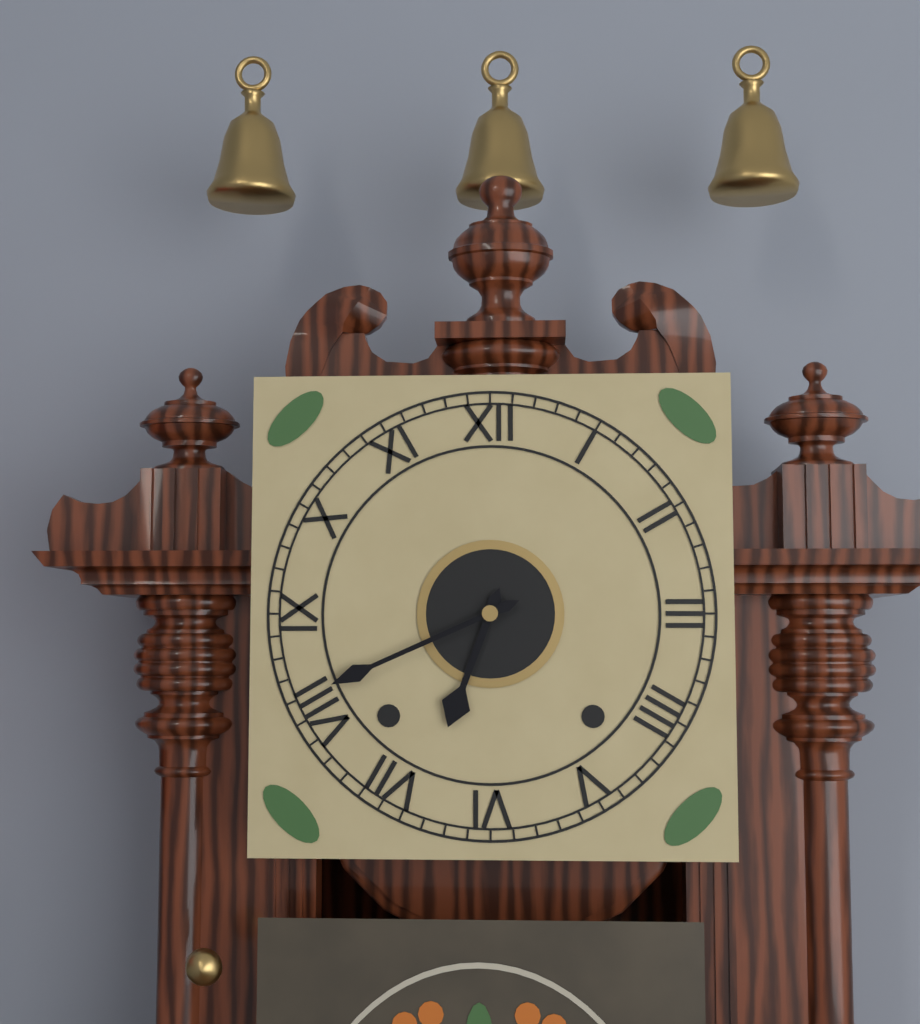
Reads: 6.41
